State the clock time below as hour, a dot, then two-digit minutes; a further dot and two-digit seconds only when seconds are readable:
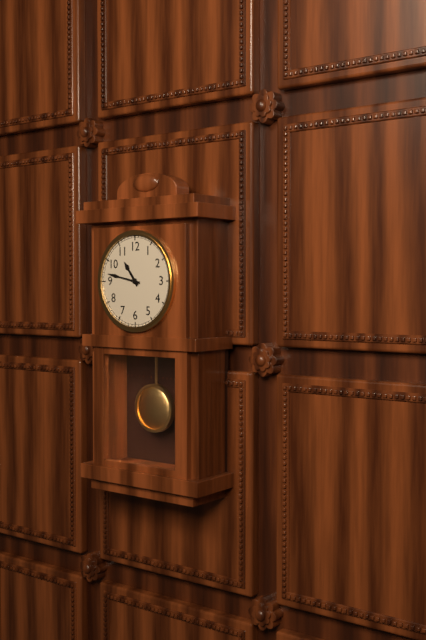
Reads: 10.47
